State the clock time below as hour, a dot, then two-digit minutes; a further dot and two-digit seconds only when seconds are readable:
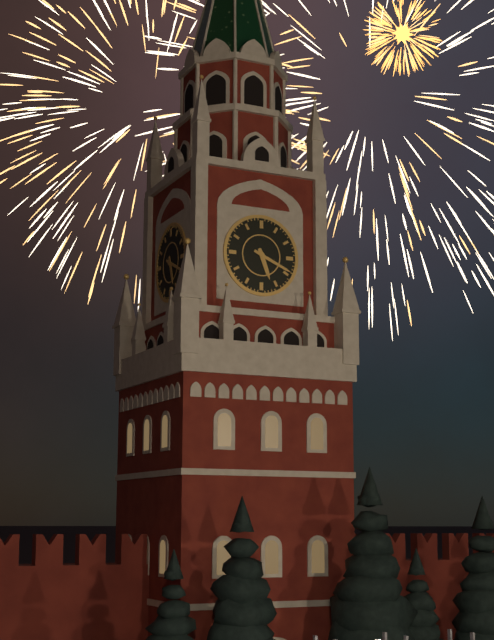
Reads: 5.19
